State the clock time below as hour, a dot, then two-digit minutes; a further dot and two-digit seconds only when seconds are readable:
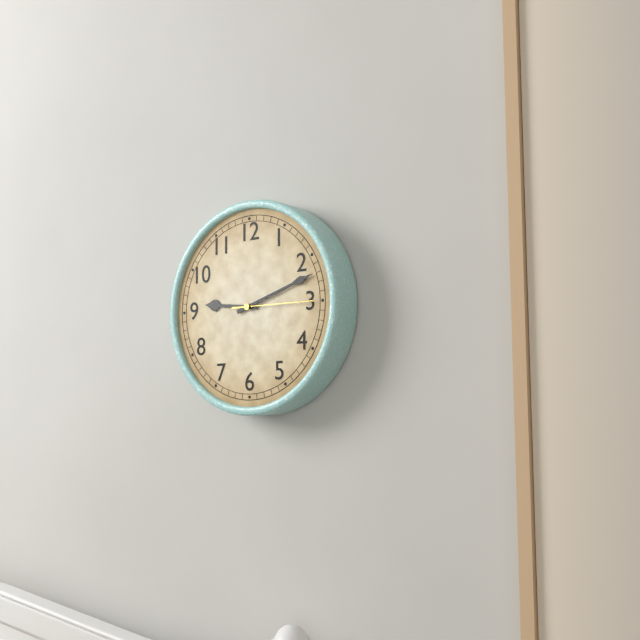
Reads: 9.12.15
